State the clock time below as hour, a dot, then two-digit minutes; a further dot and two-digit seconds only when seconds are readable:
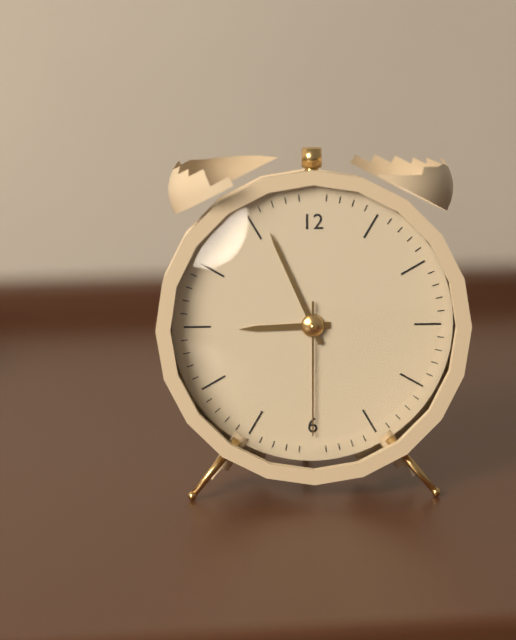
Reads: 8.56.30
